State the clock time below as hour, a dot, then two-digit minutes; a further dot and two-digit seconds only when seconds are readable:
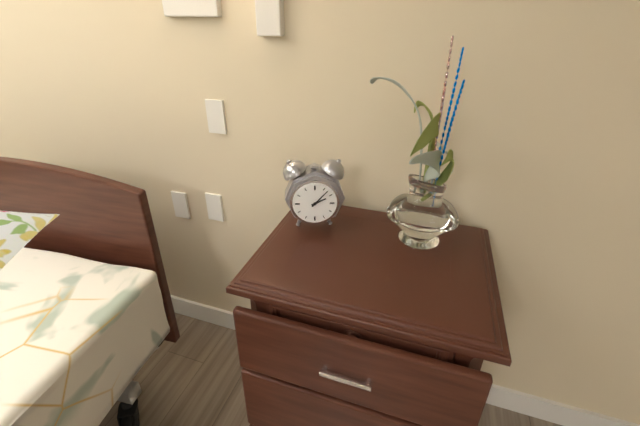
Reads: 2.07
